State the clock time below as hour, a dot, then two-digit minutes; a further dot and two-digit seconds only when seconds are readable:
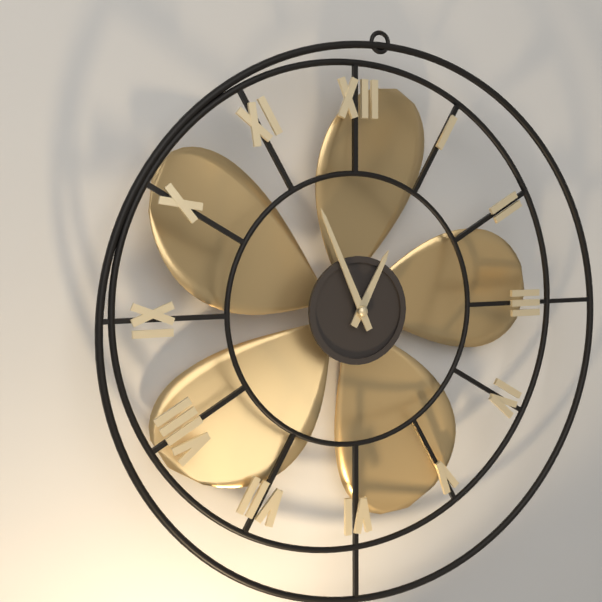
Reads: 12.56
